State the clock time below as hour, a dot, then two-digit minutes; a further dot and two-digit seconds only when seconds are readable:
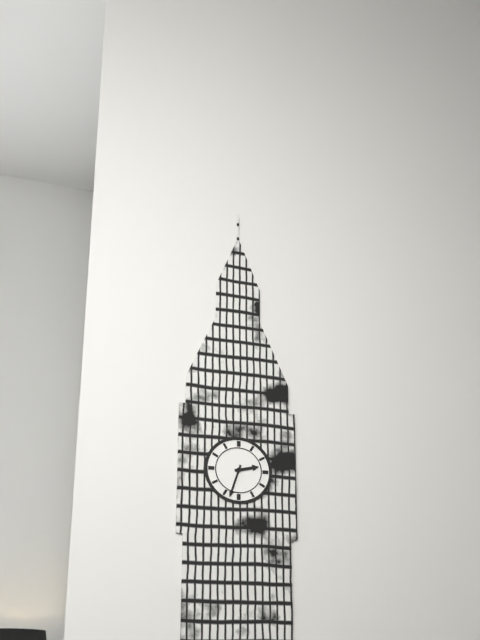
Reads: 2.33
